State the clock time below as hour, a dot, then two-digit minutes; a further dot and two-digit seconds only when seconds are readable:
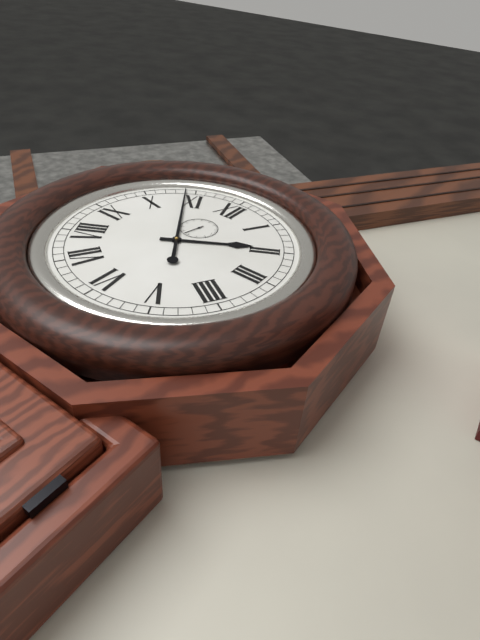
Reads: 1.54
